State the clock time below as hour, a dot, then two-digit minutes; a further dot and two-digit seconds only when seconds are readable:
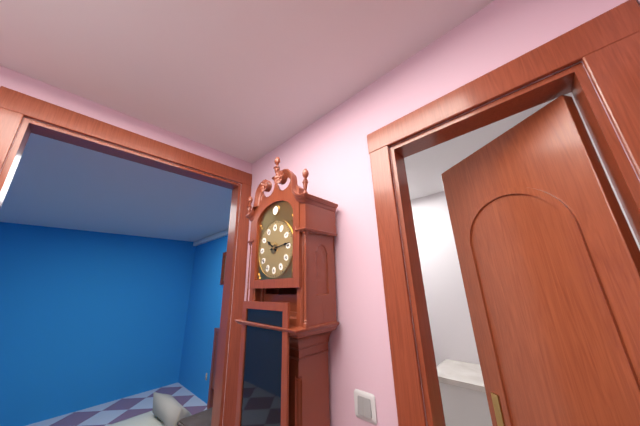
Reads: 10.14
